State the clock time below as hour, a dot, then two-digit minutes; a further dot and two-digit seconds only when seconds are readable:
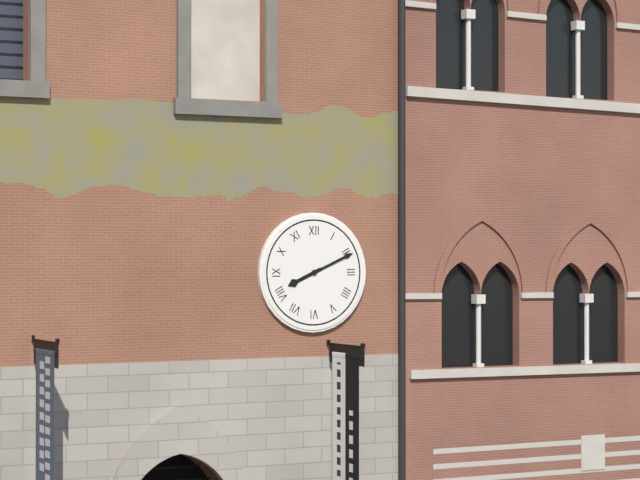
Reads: 8.11
